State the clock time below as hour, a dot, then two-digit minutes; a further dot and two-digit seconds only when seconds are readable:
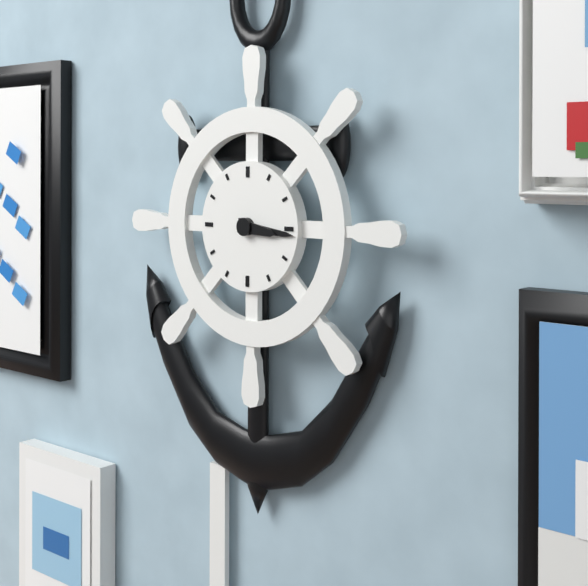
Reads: 3.16
